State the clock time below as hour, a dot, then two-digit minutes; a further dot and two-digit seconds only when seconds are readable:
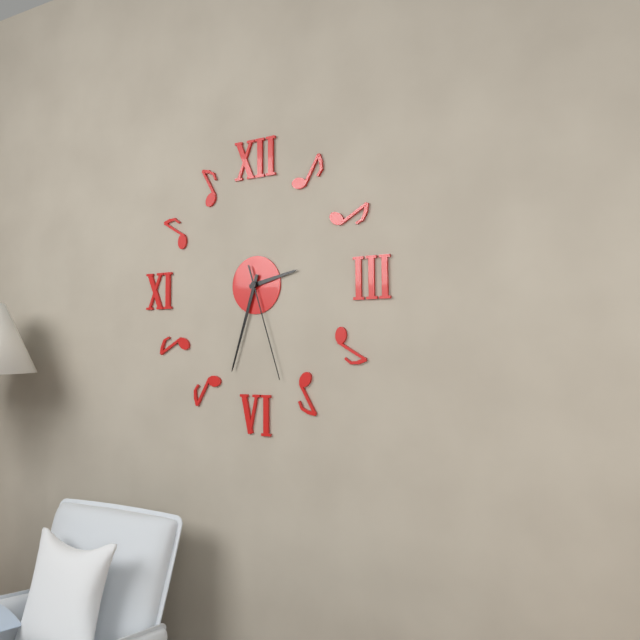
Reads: 2.33.27
